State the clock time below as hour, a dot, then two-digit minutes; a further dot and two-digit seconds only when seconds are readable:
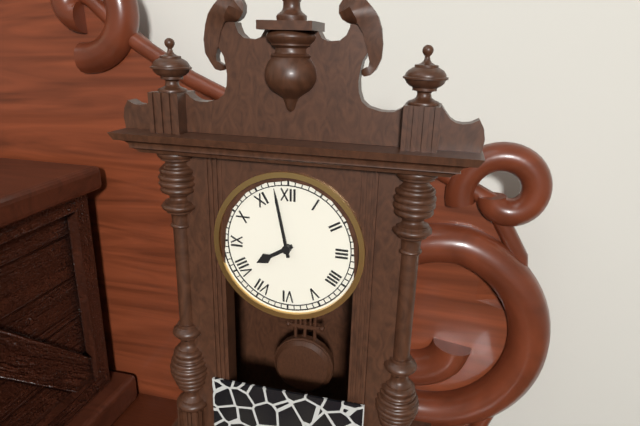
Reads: 7.58
